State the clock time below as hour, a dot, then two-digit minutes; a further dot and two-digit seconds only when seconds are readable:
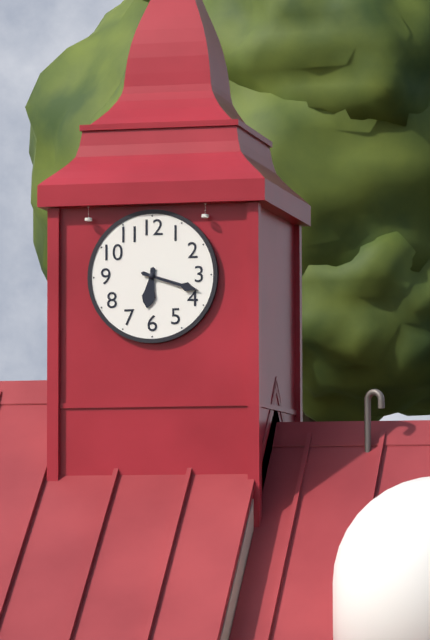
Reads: 6.18
